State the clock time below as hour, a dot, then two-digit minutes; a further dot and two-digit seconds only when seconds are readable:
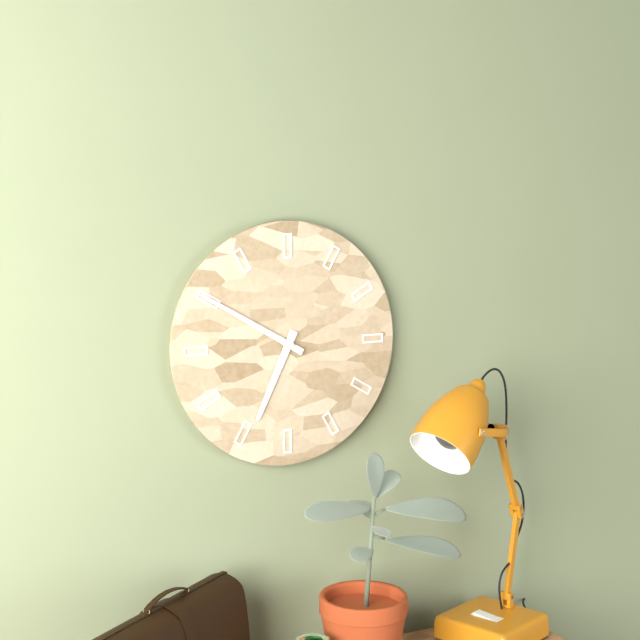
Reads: 6.50
